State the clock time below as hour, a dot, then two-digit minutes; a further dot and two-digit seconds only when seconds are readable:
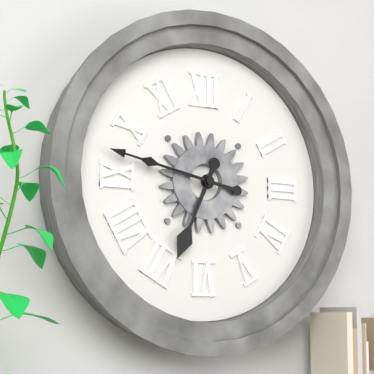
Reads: 6.47
